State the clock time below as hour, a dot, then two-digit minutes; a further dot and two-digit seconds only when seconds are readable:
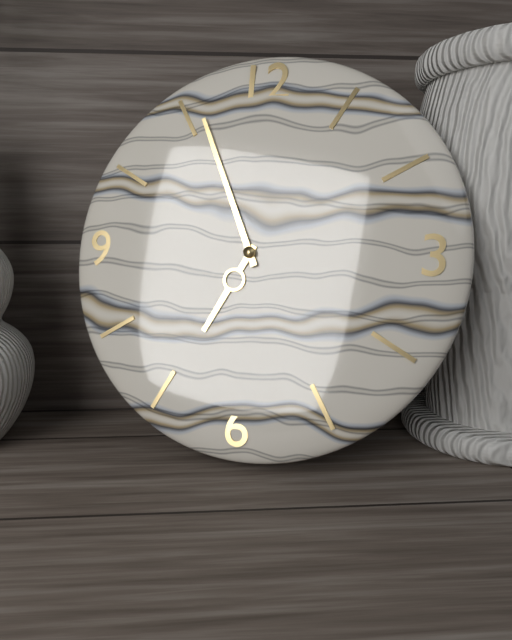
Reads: 6.56
